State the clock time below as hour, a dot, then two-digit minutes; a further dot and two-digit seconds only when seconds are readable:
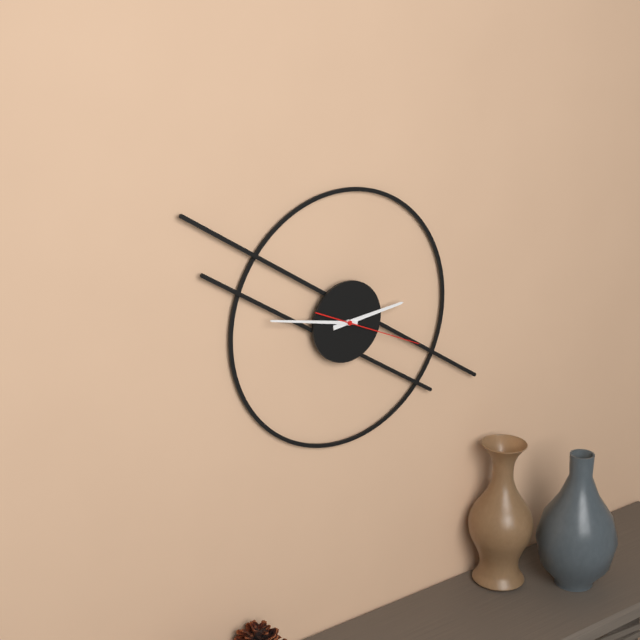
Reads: 2.47.19
